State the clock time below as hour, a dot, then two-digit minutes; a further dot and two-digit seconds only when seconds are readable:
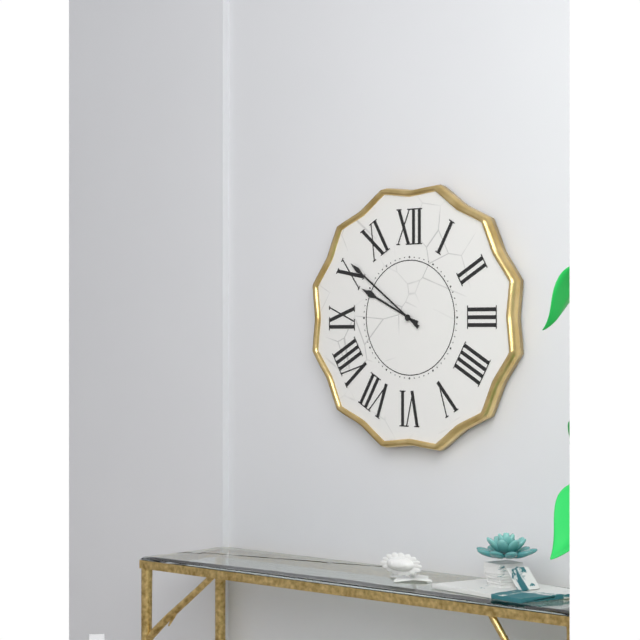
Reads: 9.51
